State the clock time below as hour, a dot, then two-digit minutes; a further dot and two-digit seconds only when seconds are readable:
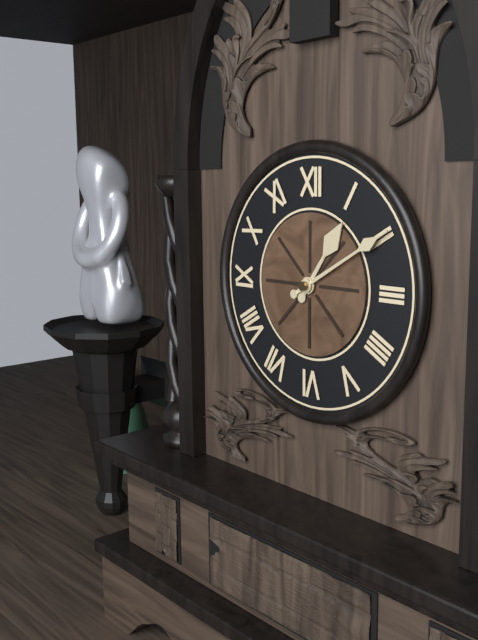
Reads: 1.10
